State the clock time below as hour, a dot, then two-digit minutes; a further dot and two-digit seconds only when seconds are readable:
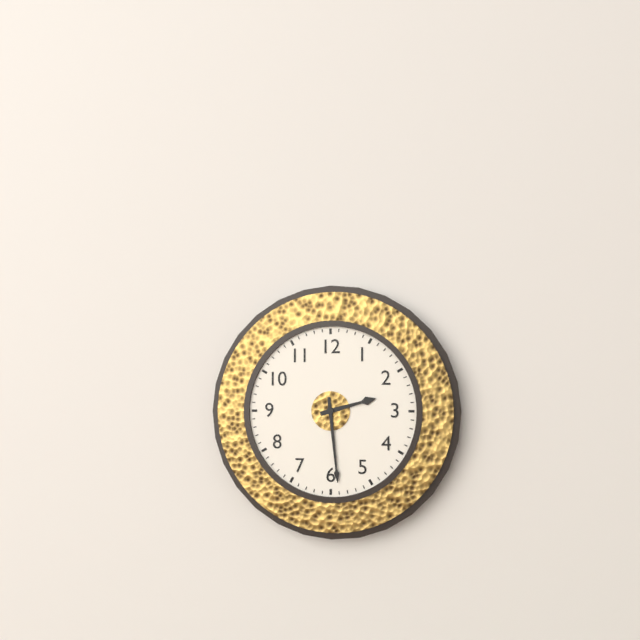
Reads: 2.29
